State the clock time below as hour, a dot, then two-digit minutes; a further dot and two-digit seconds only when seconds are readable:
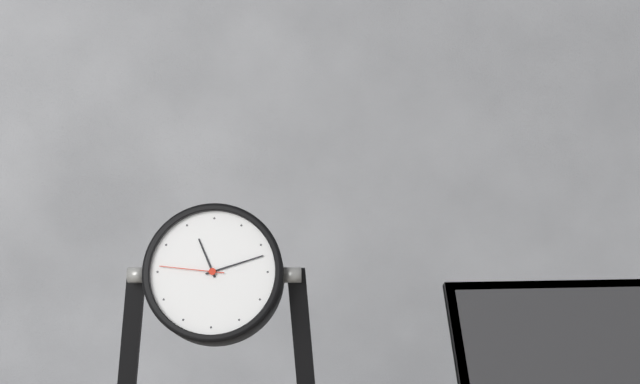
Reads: 11.12.46
